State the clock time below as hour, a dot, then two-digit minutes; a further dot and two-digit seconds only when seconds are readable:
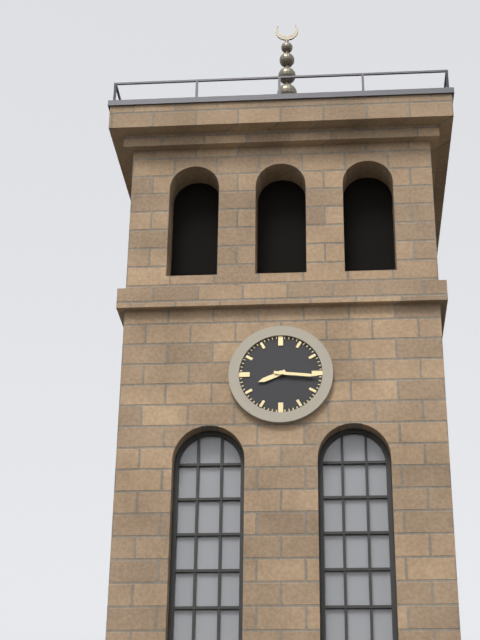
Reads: 8.16
